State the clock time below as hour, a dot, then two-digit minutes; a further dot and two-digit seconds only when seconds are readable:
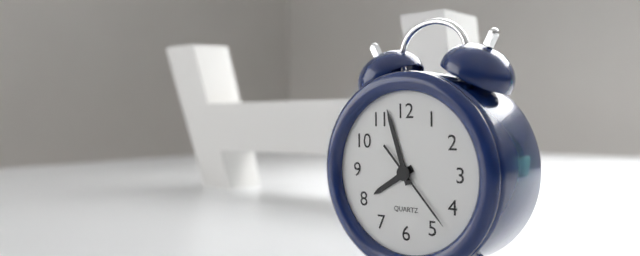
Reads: 7.57.23
